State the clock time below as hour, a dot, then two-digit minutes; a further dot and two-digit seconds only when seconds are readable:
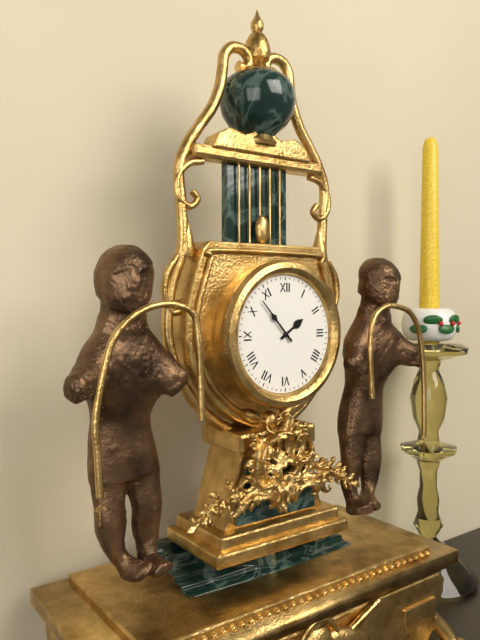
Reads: 1.53
